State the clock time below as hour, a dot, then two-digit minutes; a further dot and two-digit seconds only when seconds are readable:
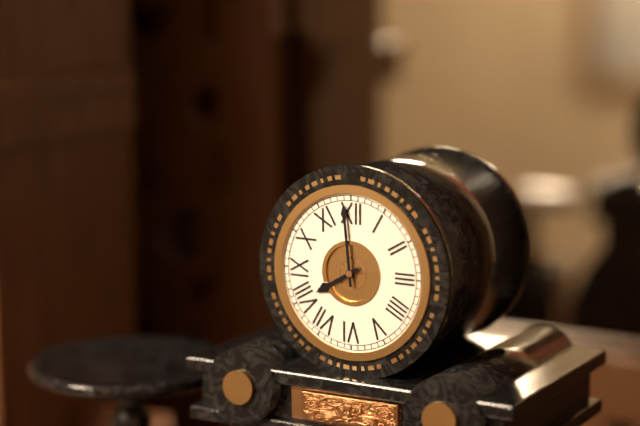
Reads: 7.59
